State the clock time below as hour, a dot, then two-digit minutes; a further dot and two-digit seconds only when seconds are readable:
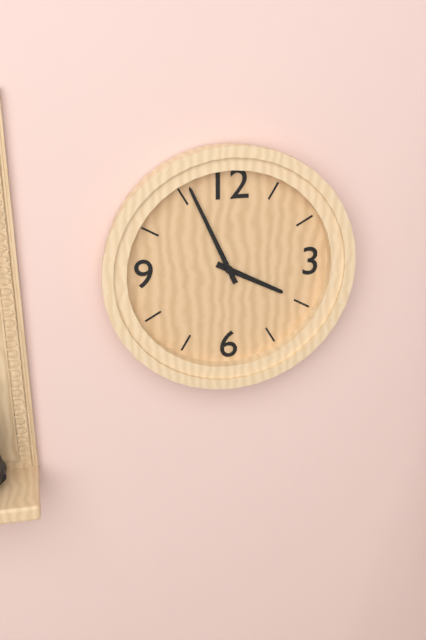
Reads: 3.56
